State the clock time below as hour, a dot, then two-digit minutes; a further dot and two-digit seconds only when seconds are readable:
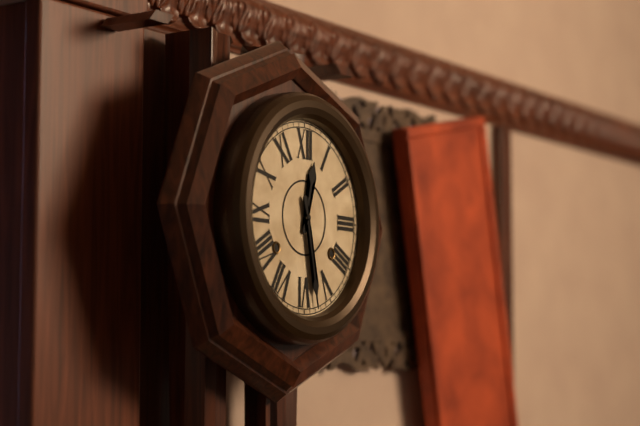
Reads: 12.28
